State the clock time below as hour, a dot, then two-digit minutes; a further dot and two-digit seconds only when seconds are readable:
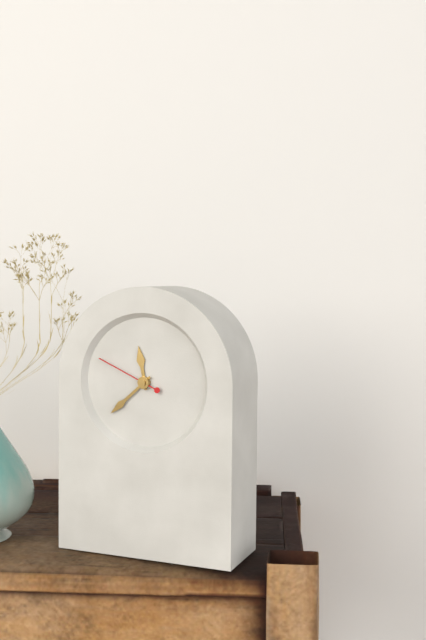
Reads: 11.38.49
